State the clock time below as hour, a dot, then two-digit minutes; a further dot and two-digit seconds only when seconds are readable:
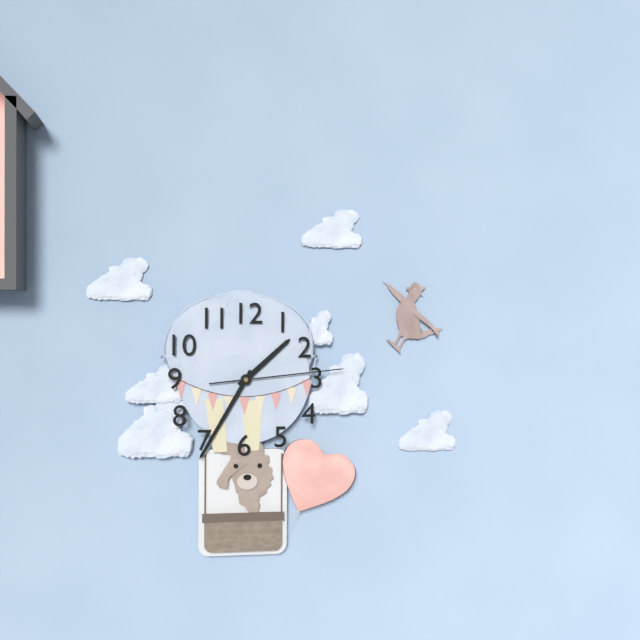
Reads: 1.35.14
